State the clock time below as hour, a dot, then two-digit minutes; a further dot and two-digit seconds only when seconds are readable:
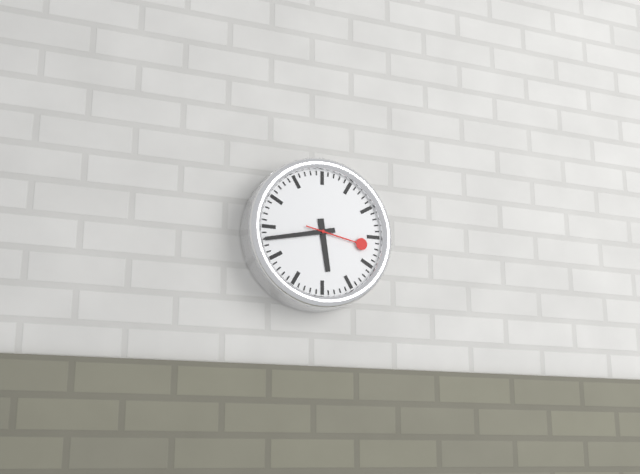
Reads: 5.43.17
